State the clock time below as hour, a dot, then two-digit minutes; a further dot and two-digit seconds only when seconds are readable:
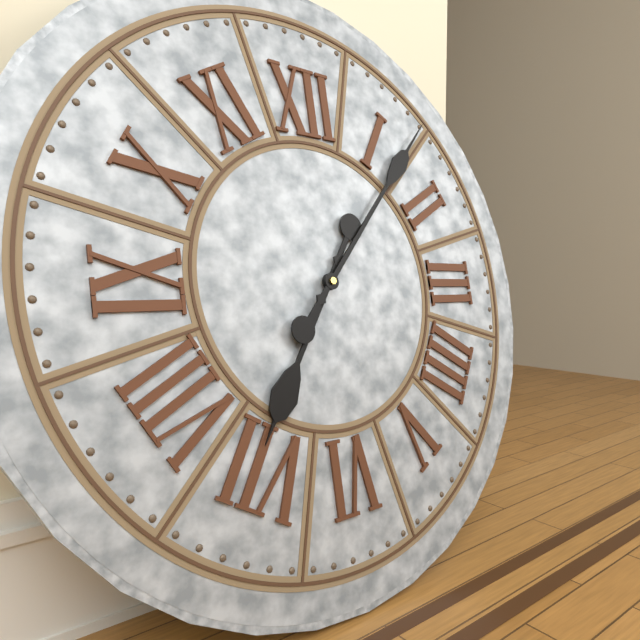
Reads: 7.07
